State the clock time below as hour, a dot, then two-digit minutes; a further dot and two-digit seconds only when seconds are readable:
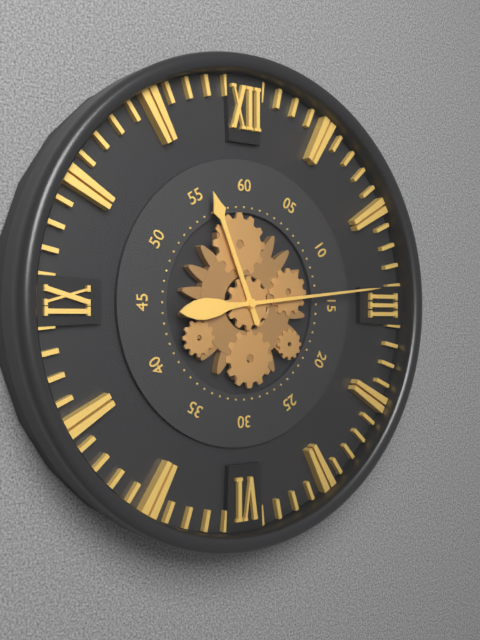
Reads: 11.14
